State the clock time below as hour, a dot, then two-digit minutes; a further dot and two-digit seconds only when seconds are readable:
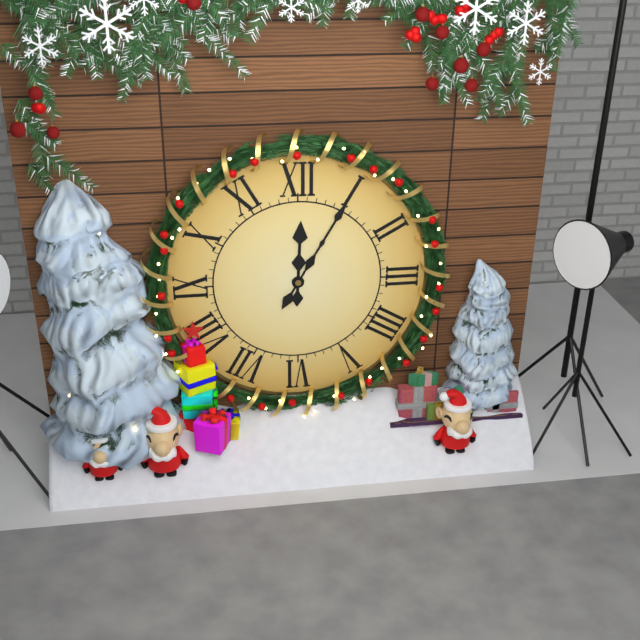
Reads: 12.05
